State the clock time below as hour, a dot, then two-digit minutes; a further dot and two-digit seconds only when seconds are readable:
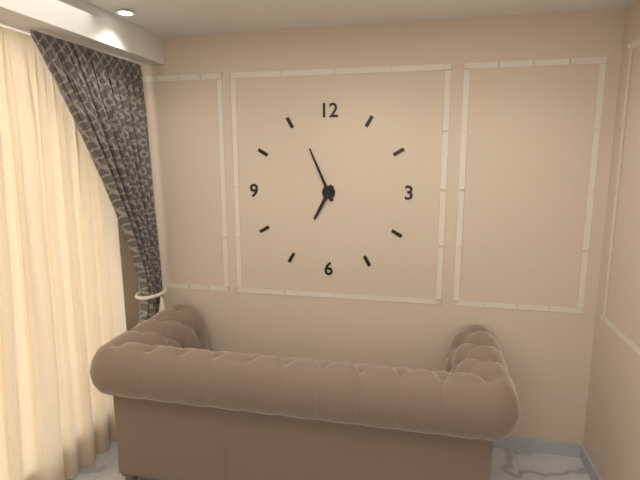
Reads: 6.56
